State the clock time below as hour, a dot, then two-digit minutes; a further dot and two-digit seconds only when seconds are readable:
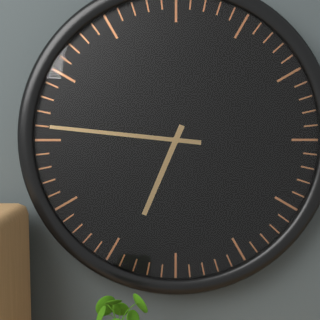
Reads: 6.46
